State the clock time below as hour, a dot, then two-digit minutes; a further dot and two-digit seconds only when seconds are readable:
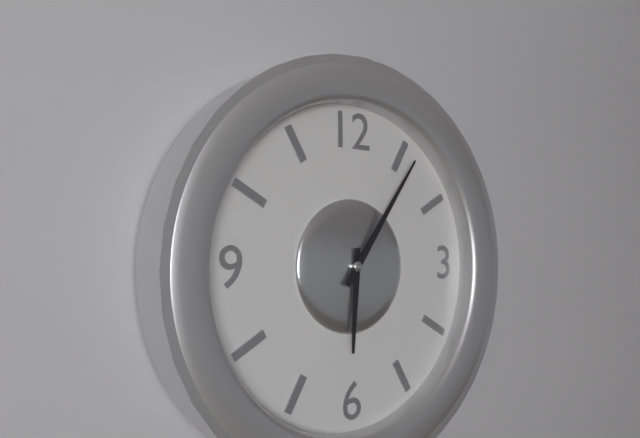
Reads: 6.06
